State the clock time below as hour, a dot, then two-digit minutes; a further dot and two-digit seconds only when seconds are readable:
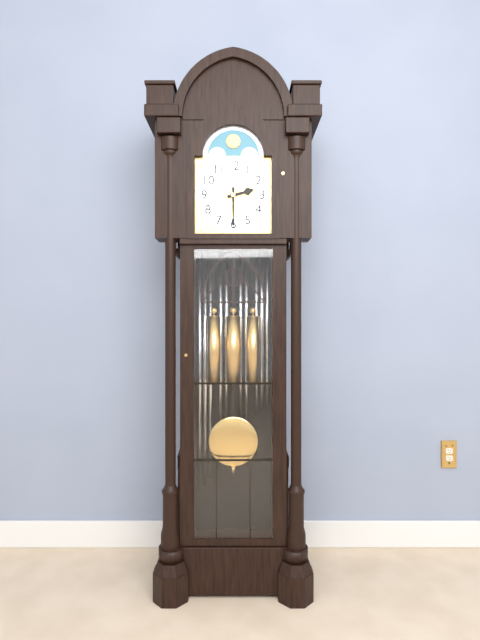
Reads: 2.30
